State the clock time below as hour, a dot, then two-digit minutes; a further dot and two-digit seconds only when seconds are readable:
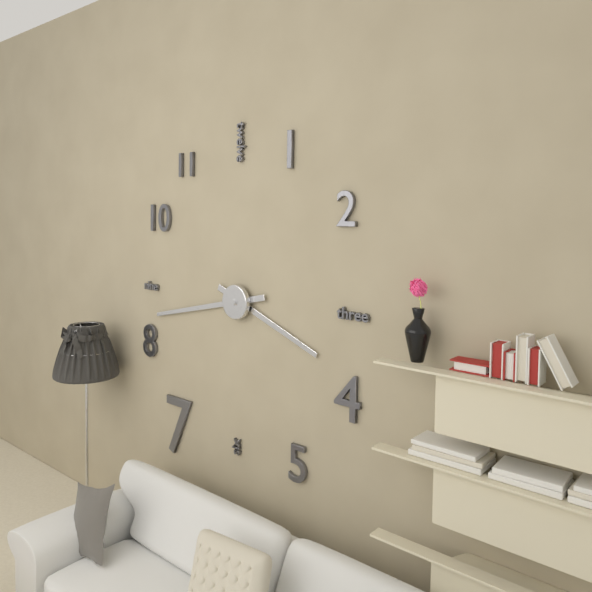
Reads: 3.43
